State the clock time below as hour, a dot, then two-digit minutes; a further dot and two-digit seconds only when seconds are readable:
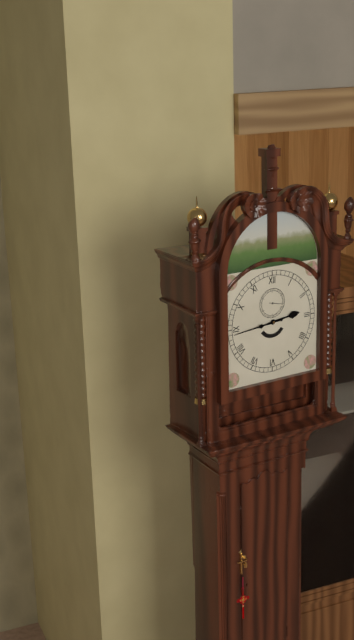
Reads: 2.44
